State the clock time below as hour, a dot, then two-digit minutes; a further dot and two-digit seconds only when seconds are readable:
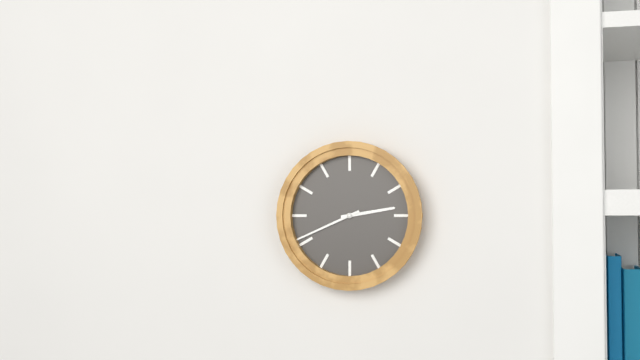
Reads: 2.41
